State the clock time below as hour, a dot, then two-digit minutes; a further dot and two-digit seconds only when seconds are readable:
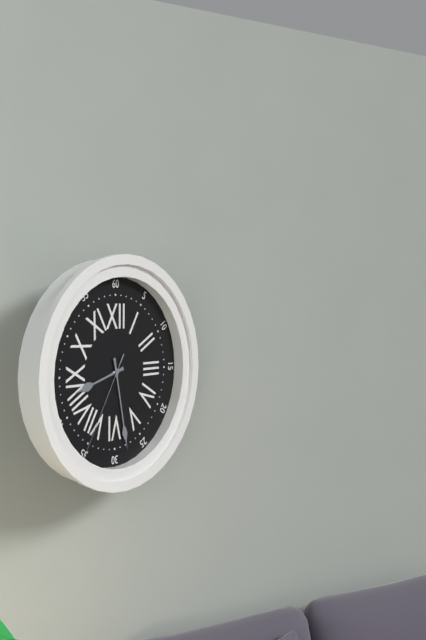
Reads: 8.28.35
